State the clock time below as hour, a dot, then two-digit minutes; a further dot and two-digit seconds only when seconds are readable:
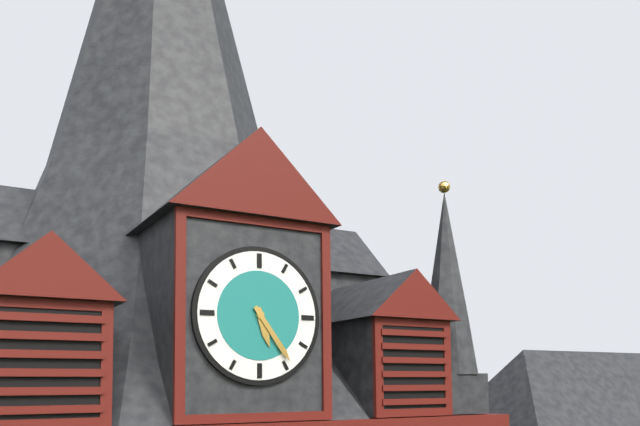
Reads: 5.24
